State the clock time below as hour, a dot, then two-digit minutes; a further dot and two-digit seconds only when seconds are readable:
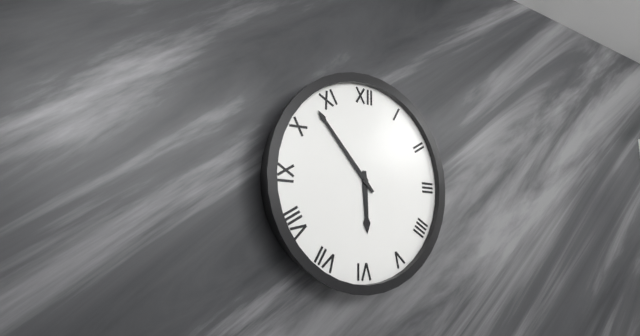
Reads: 5.53
